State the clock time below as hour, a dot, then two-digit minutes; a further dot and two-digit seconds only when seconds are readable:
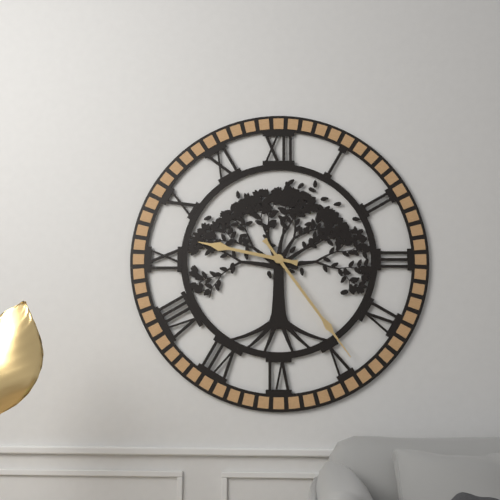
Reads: 9.24
